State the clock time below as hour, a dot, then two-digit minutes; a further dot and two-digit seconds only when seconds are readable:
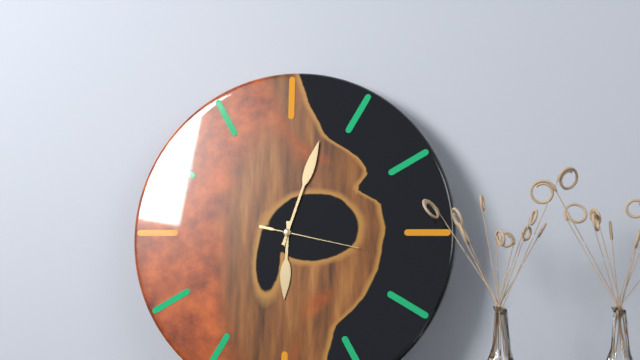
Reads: 6.03.17
